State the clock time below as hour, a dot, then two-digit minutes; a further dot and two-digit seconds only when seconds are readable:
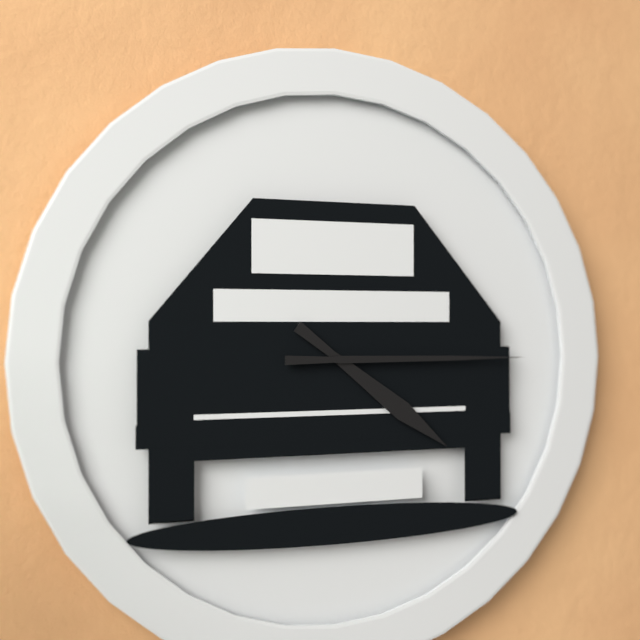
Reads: 4.15
